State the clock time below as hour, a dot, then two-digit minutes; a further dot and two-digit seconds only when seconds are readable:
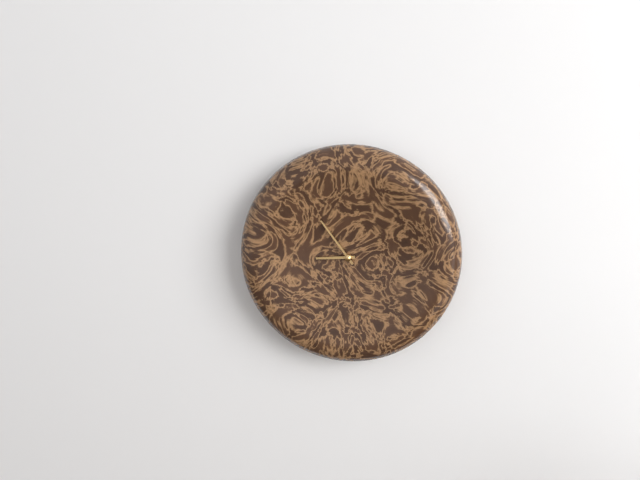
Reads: 8.54
